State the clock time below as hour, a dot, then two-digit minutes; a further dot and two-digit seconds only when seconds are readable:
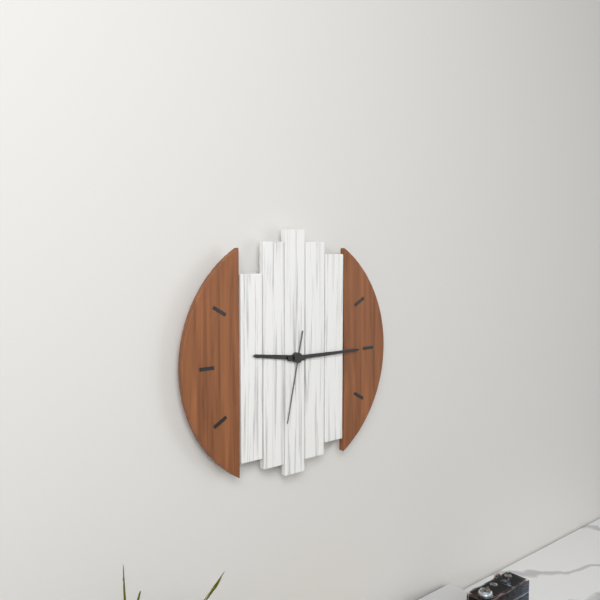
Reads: 9.15.32
